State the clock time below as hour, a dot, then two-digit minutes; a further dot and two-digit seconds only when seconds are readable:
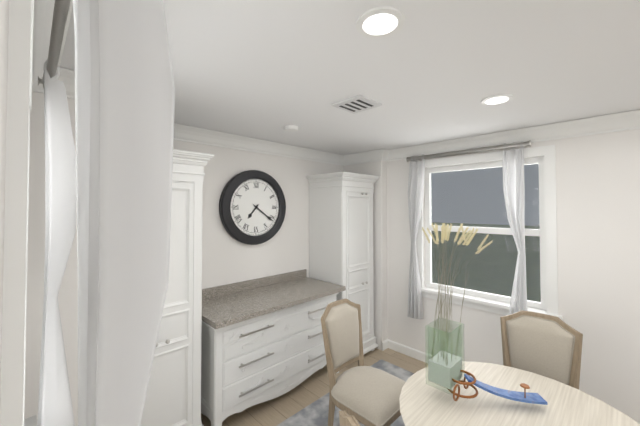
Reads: 7.21
